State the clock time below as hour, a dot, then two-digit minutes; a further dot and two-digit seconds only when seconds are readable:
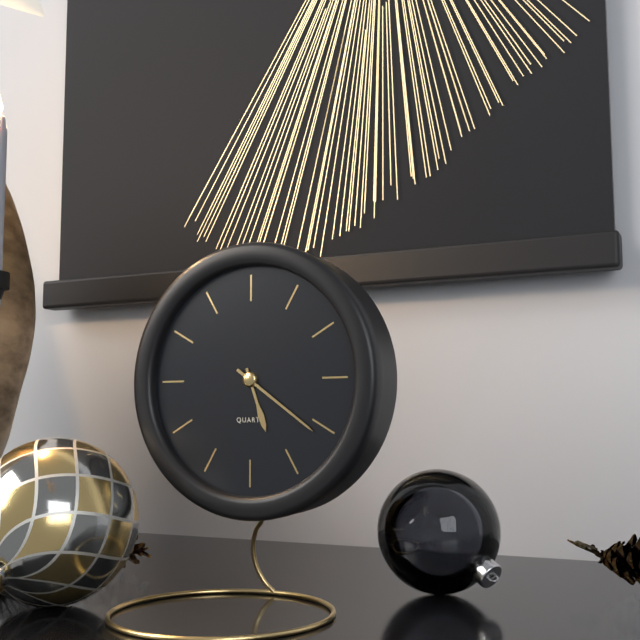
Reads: 5.21
